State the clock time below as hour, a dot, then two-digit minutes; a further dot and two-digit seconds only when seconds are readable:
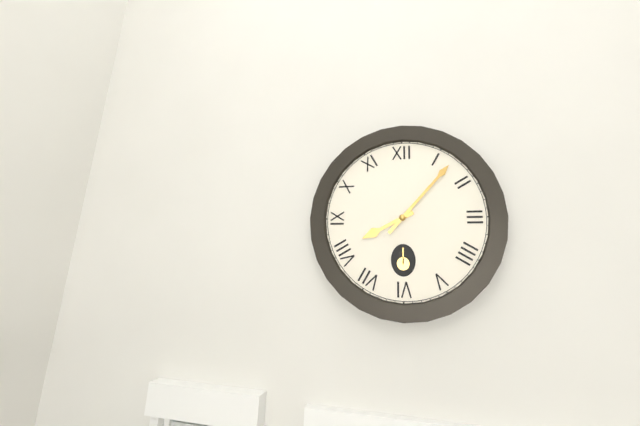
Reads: 8.07
